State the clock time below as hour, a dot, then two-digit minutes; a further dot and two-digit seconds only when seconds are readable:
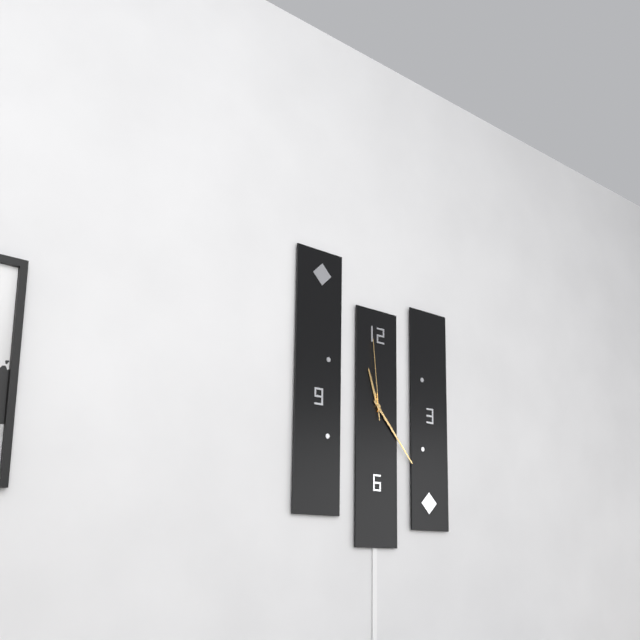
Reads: 11.23.59
